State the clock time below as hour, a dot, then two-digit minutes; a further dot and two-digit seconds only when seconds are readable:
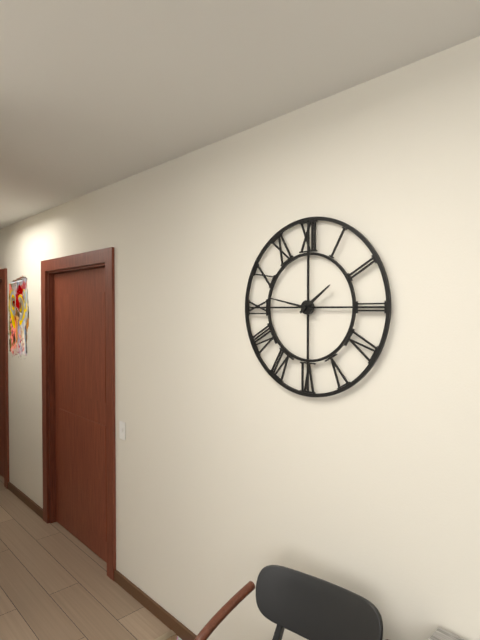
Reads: 1.47
